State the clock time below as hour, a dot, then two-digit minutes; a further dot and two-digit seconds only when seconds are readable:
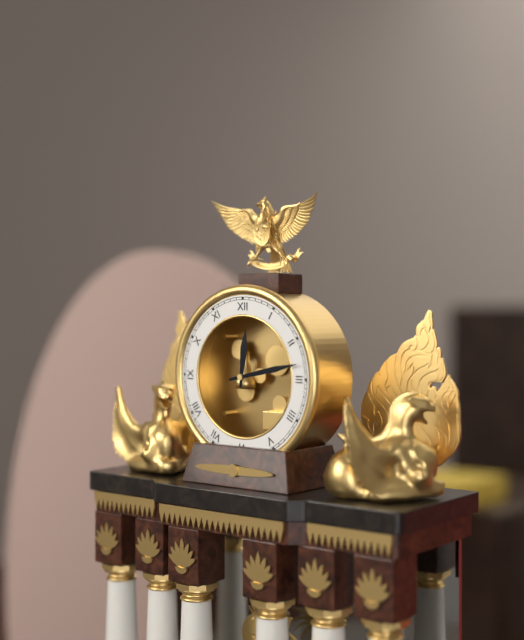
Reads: 12.13
